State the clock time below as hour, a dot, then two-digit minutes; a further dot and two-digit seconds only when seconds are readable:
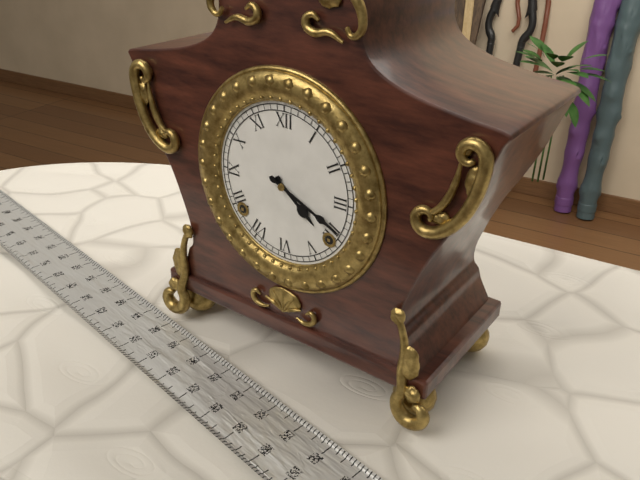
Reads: 4.19
